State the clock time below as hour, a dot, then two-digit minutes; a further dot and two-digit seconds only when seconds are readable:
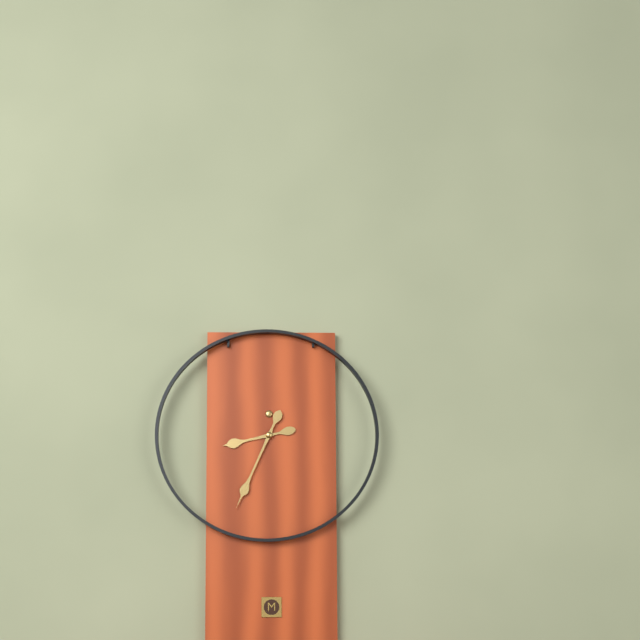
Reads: 8.34
